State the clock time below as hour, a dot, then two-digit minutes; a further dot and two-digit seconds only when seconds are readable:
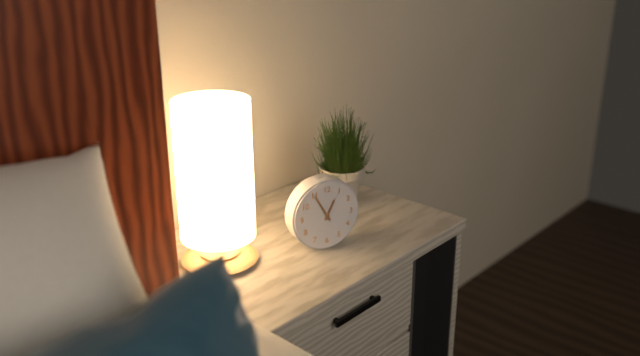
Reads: 12.55
